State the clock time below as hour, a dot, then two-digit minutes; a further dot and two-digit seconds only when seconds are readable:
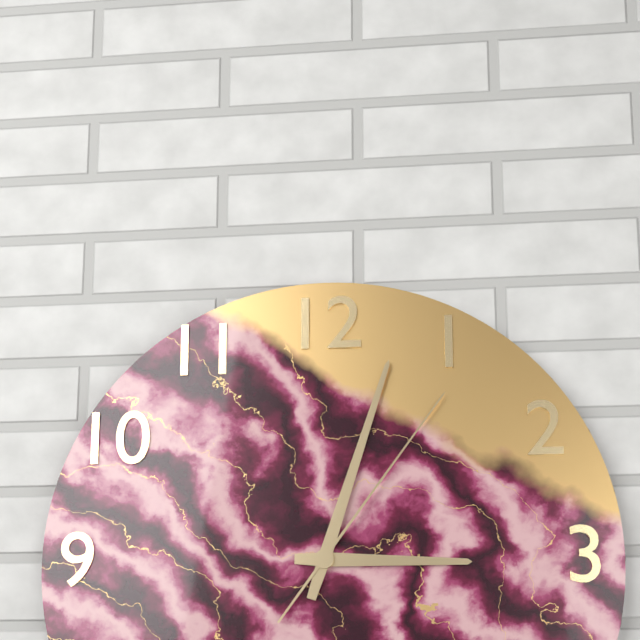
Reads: 3.03.06
